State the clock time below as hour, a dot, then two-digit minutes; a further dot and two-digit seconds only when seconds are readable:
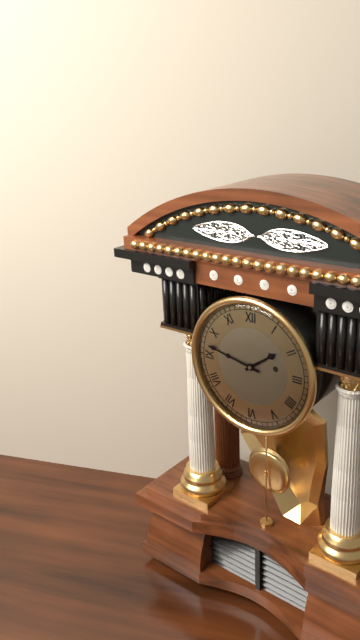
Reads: 1.47
